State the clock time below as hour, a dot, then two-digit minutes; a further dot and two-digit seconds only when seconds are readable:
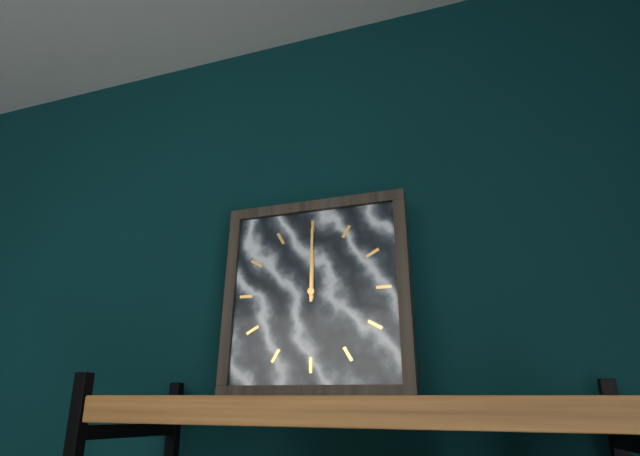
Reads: 12.00
